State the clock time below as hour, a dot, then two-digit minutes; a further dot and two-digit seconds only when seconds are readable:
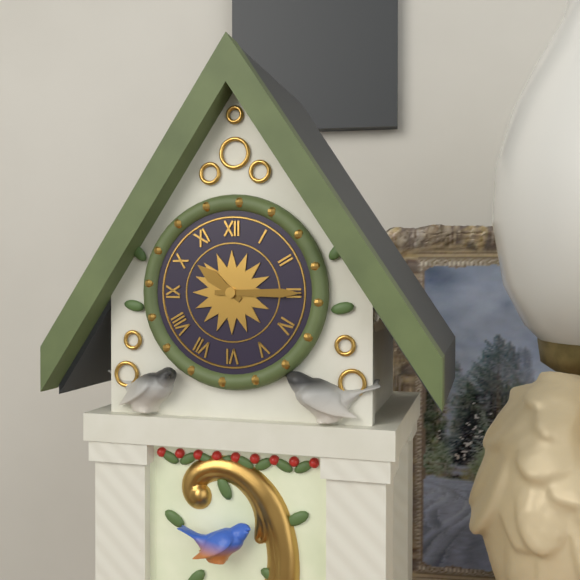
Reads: 10.15
